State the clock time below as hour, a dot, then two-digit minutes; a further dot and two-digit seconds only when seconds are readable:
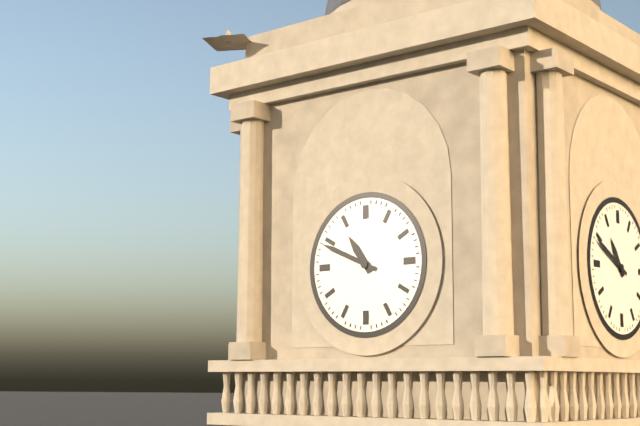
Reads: 10.49
